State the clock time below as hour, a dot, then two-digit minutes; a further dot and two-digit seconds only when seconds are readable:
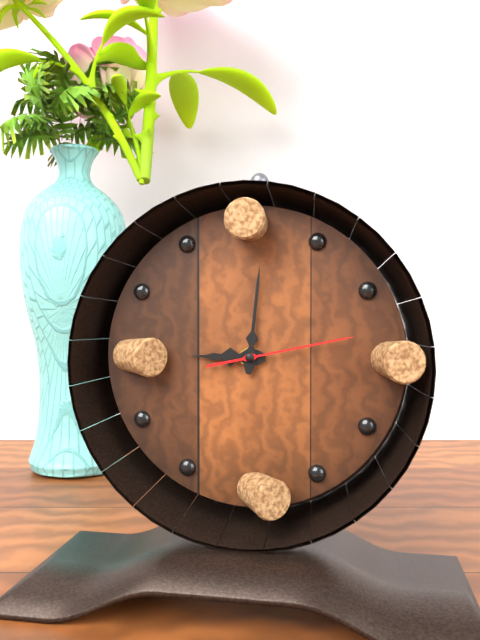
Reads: 9.01.13
